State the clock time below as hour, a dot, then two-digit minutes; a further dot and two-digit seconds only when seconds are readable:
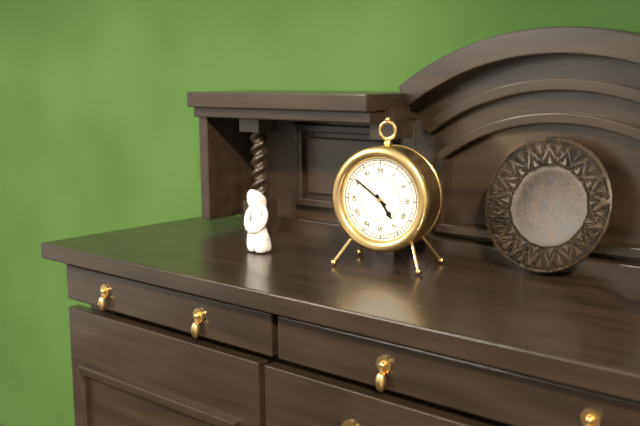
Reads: 4.51
